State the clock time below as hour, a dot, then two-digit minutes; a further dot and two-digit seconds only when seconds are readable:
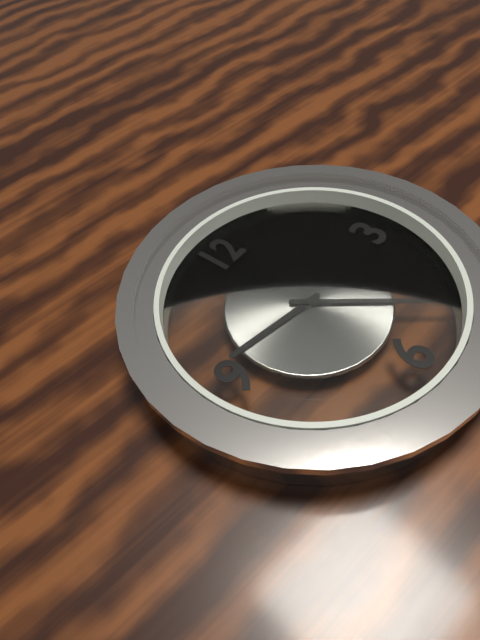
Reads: 9.24
